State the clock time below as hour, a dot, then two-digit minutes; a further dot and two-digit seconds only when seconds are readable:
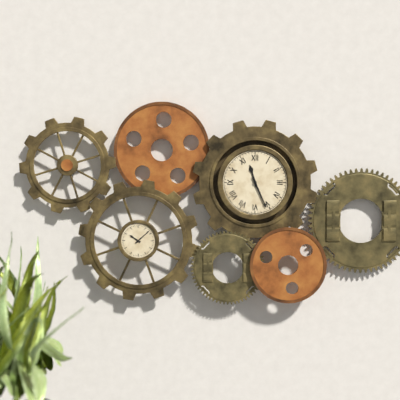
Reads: 11.26
